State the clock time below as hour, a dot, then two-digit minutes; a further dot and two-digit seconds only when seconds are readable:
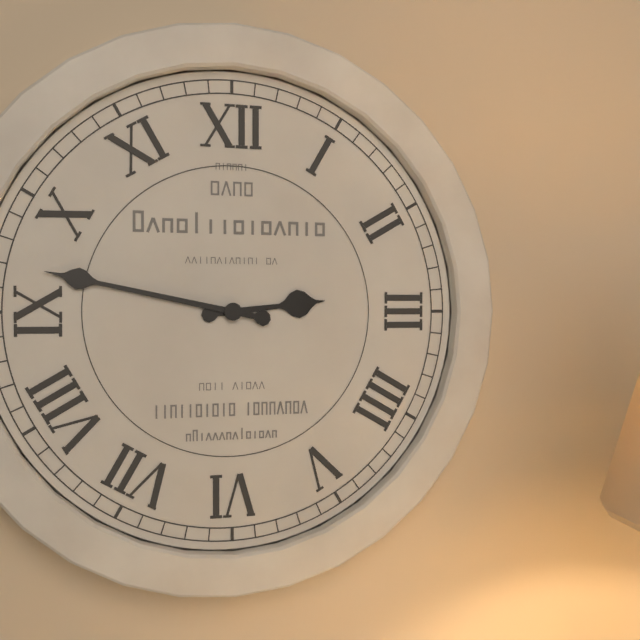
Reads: 2.47
